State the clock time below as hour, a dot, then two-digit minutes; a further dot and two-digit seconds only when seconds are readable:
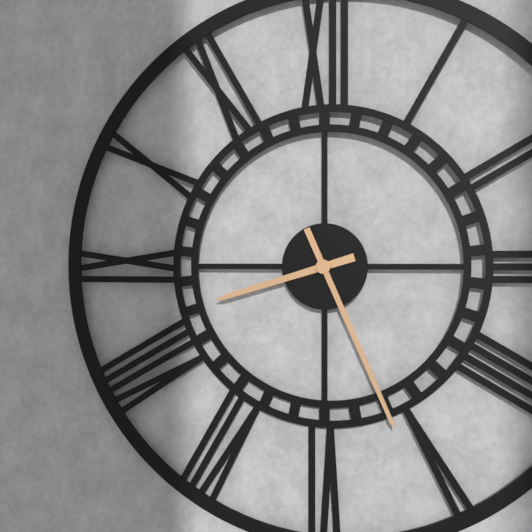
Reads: 8.26
